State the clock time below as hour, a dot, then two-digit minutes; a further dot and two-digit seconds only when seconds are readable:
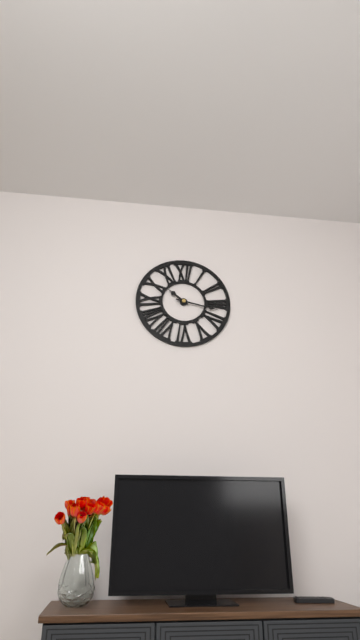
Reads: 10.17
